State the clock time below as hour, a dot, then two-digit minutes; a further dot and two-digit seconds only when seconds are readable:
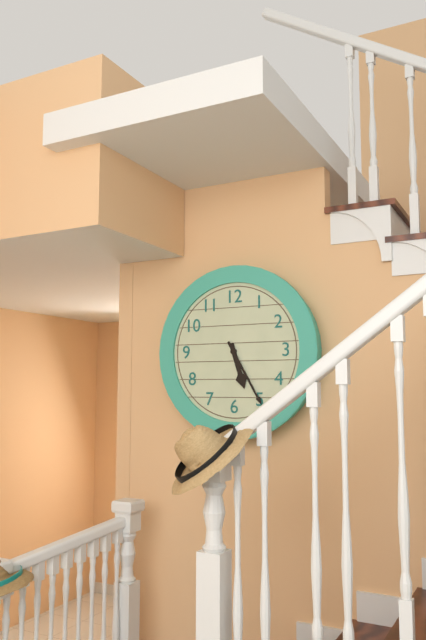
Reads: 5.25
